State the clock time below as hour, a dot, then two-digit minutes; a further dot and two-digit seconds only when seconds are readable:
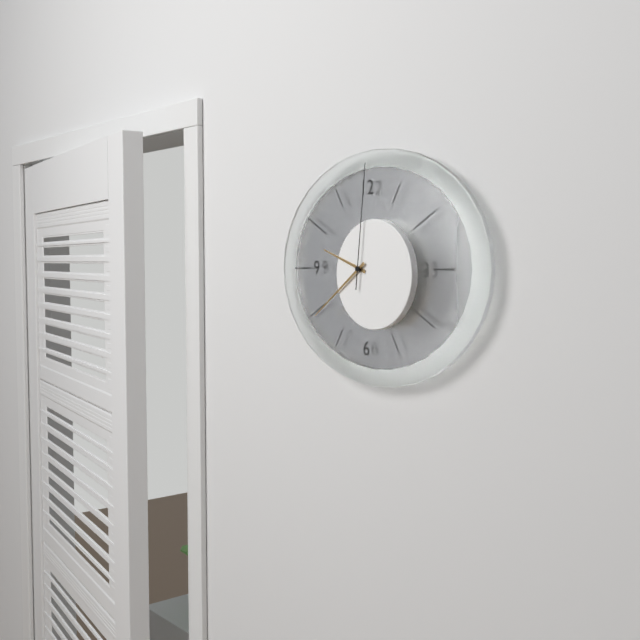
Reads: 9.39.01
